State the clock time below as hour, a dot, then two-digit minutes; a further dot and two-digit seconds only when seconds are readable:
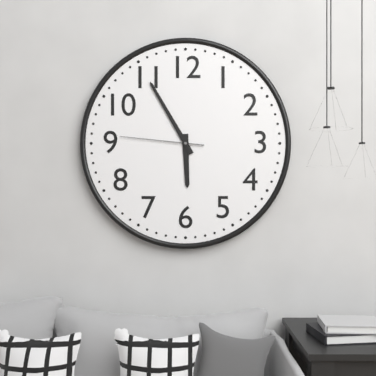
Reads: 5.55.46
